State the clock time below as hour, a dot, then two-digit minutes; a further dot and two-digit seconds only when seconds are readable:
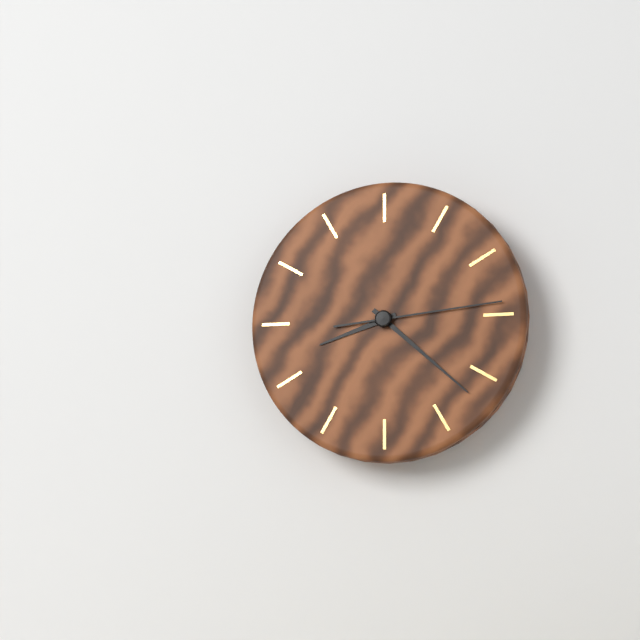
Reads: 8.22.14
